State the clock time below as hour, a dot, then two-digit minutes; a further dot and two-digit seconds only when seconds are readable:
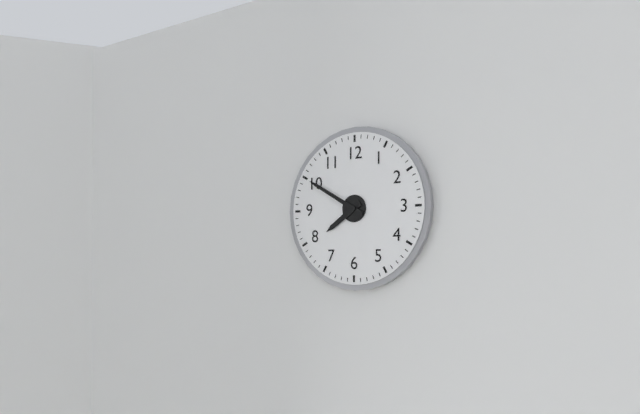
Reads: 7.50
